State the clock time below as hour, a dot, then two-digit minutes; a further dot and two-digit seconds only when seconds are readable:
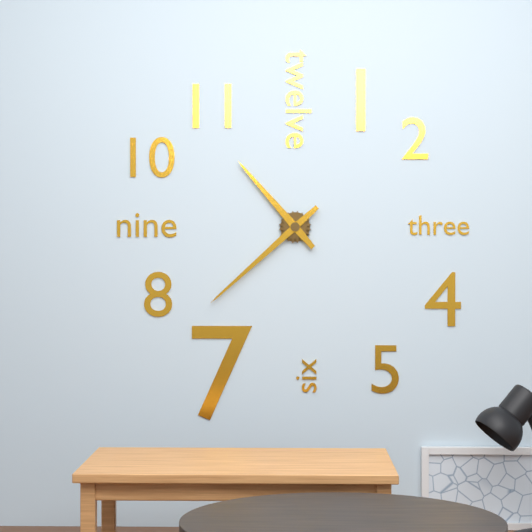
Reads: 10.38
